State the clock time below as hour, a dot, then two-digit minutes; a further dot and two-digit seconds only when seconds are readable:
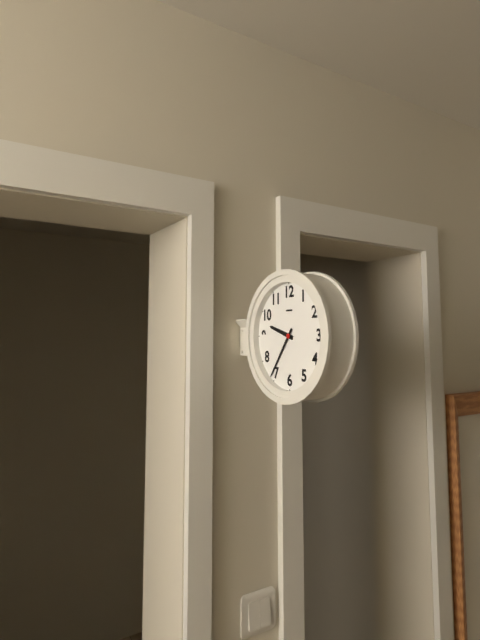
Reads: 9.36
